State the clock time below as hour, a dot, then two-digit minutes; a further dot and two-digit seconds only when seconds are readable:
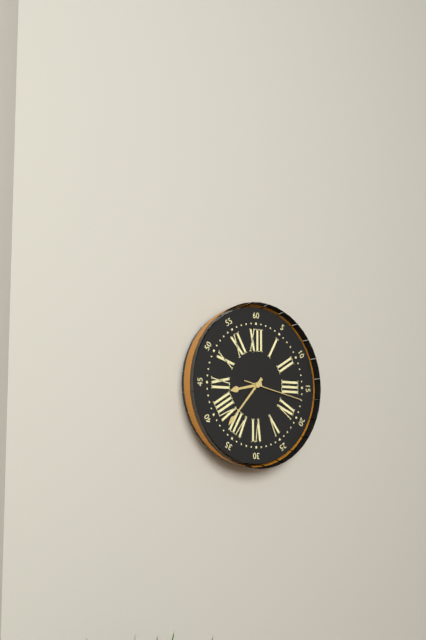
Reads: 8.37.17
